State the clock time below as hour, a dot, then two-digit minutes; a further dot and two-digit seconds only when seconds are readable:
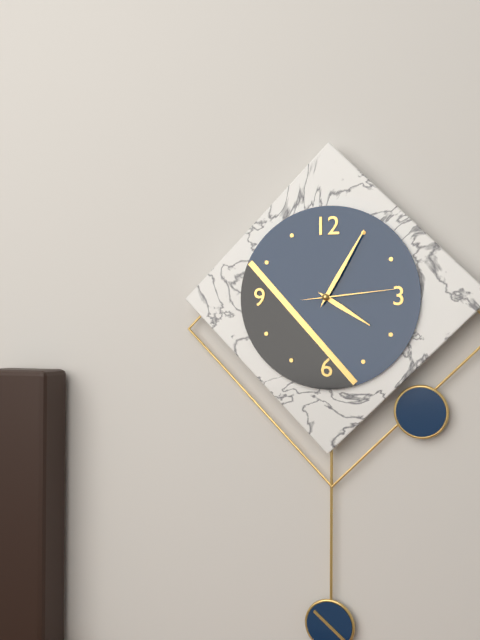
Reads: 4.05.14
